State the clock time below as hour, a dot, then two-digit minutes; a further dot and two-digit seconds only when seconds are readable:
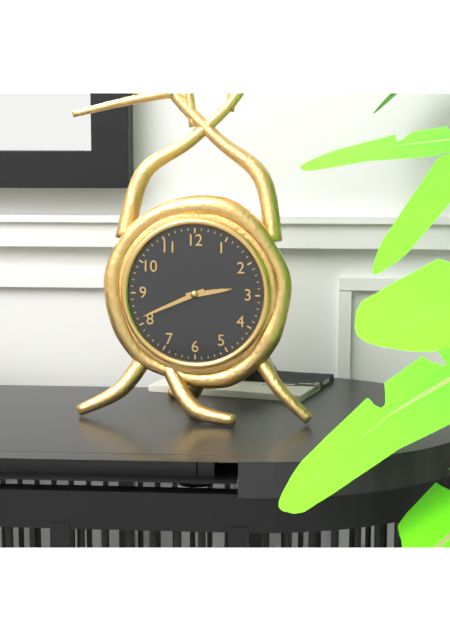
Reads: 2.41
